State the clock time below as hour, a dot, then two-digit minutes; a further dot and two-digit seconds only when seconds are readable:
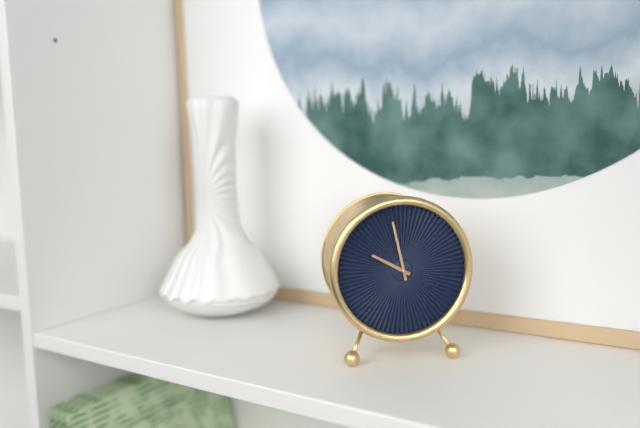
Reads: 9.58
